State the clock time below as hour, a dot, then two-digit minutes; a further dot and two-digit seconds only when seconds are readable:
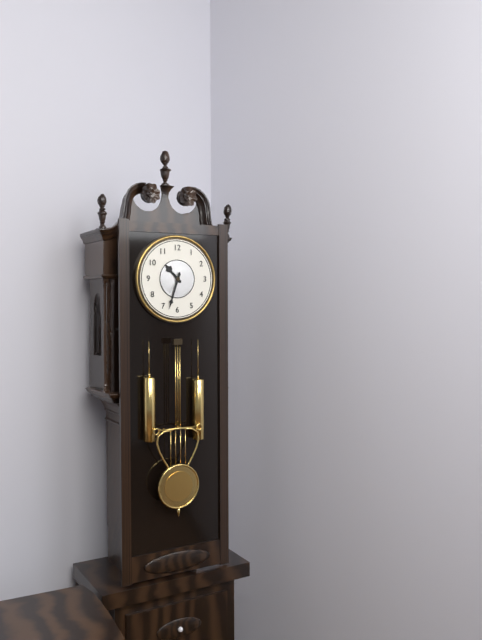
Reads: 10.33
